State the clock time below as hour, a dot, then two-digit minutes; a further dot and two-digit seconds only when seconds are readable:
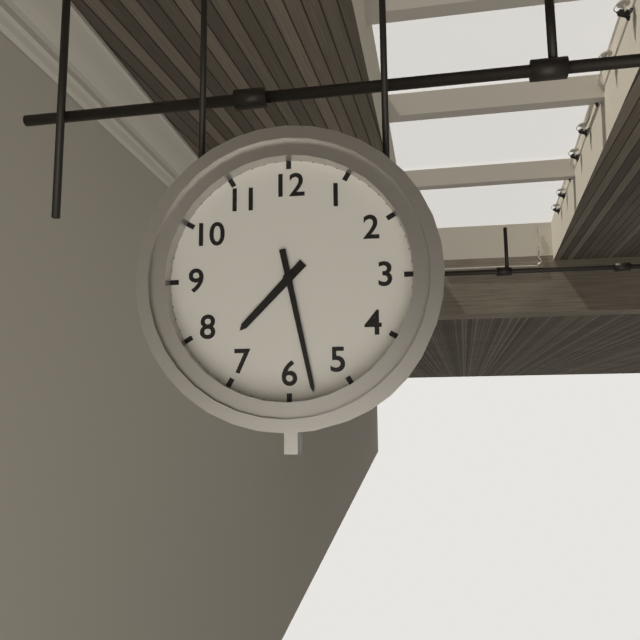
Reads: 7.28
